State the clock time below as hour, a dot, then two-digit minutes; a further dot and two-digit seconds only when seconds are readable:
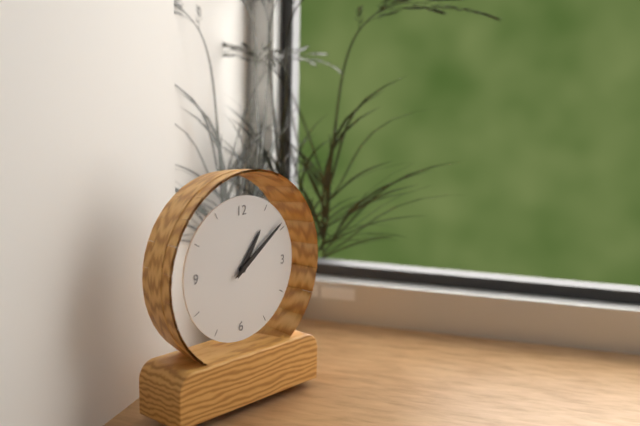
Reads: 1.09
